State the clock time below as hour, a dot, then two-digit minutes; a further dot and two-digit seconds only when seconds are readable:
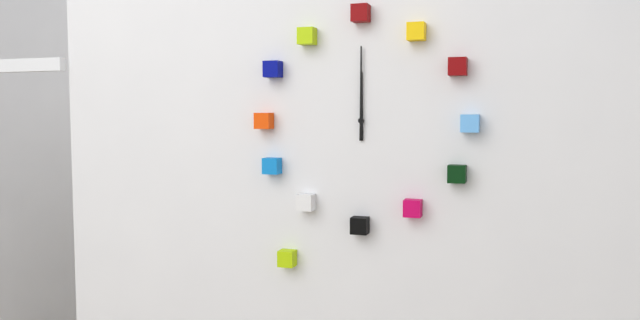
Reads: 12.00
